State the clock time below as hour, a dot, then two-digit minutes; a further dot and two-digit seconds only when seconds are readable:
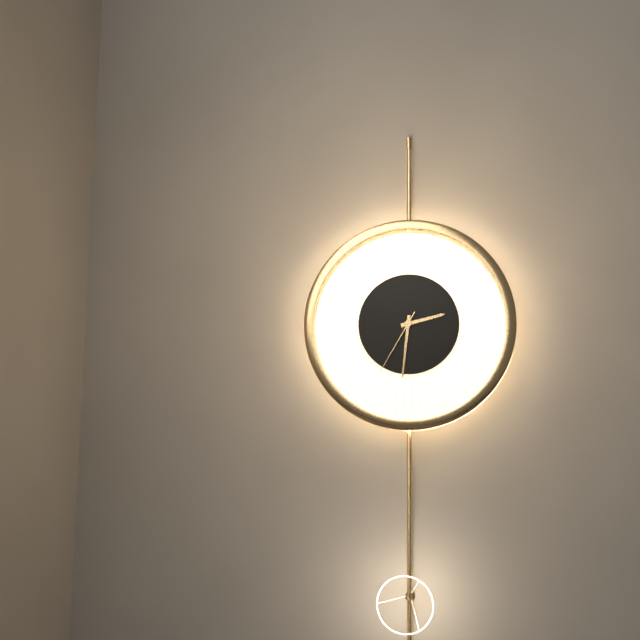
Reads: 2.31.35
